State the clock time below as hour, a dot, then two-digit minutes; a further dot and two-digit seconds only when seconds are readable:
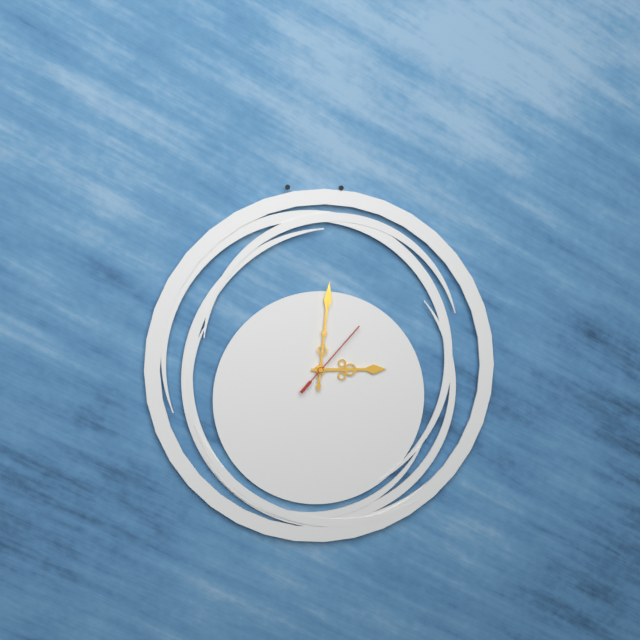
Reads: 3.01.07
